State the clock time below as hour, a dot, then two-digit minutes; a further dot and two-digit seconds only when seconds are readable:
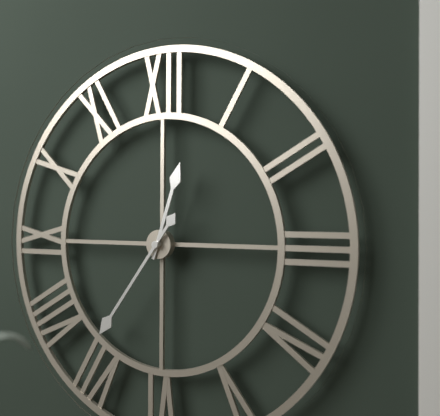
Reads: 12.36
